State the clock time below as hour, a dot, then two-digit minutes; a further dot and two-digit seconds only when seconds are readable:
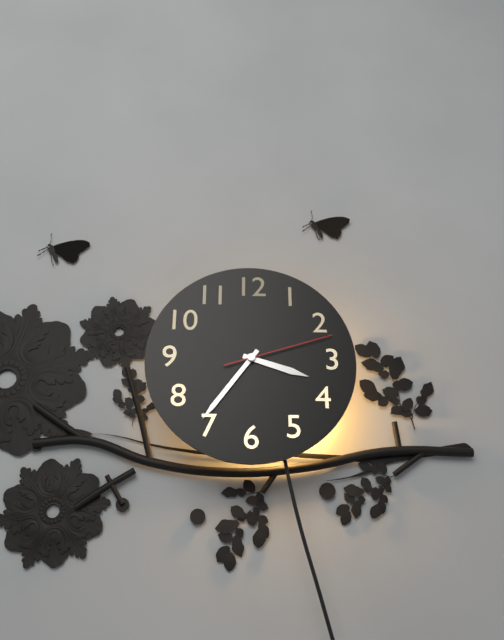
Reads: 3.36.12
